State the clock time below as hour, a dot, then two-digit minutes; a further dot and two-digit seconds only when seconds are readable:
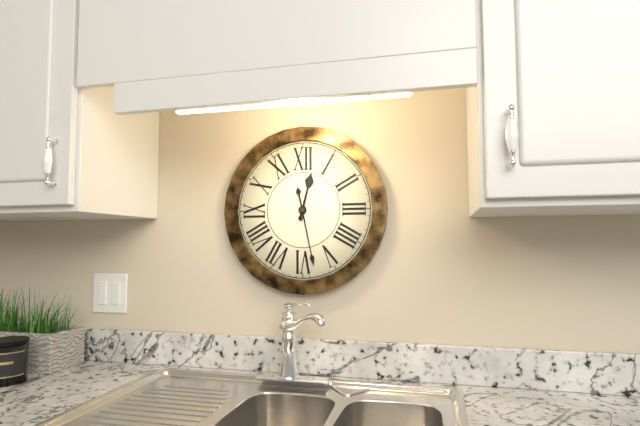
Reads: 12.28
